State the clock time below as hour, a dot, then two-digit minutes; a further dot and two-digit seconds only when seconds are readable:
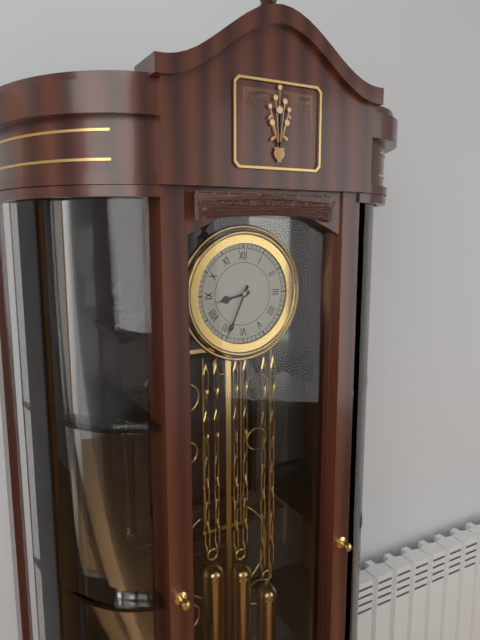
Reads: 8.34
